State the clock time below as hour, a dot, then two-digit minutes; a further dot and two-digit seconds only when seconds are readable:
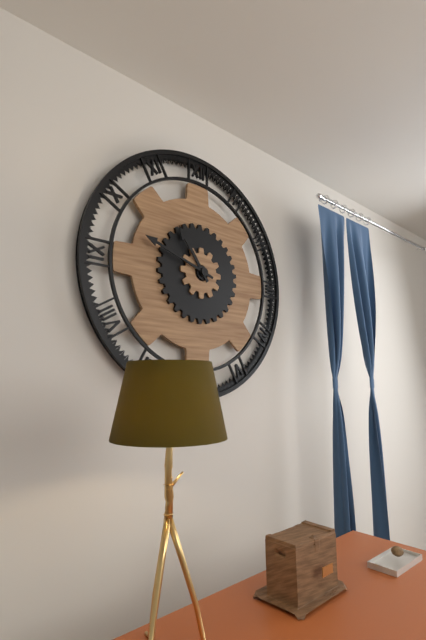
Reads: 10.48
